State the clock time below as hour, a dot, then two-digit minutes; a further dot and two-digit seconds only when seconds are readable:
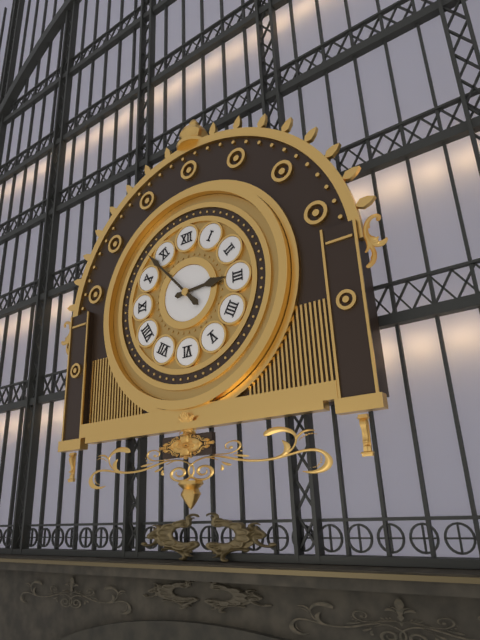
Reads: 2.53
